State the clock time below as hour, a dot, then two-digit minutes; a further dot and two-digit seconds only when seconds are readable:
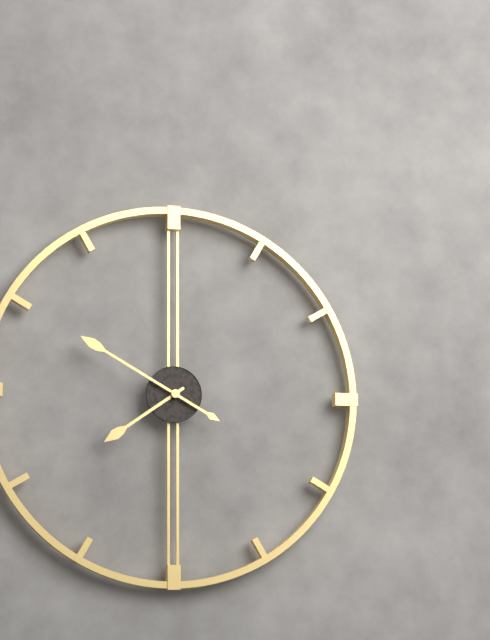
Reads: 7.50
